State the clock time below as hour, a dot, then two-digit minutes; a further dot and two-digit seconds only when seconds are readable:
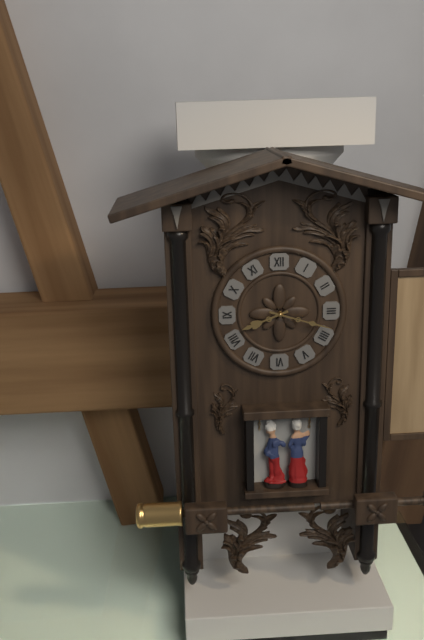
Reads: 8.18
